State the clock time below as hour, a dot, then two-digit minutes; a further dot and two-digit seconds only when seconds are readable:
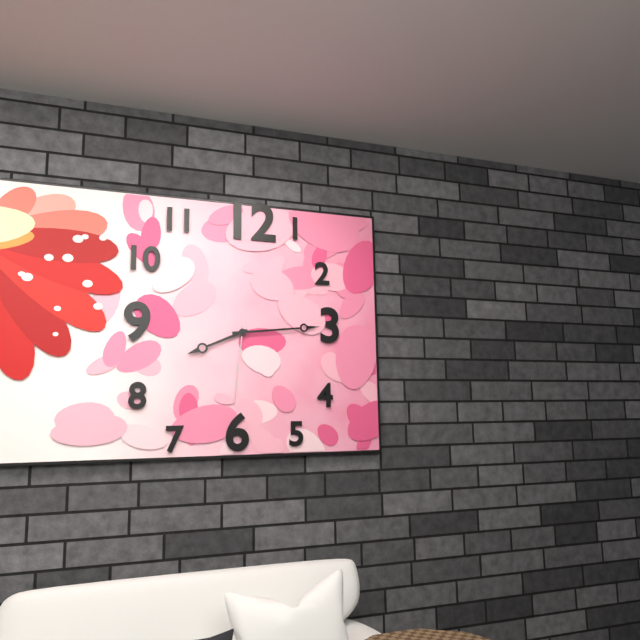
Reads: 8.14.31
